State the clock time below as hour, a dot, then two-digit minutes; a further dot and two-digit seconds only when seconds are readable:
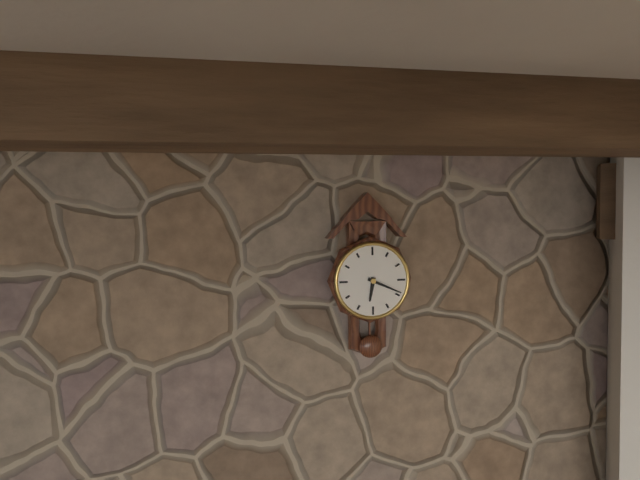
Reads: 6.19
